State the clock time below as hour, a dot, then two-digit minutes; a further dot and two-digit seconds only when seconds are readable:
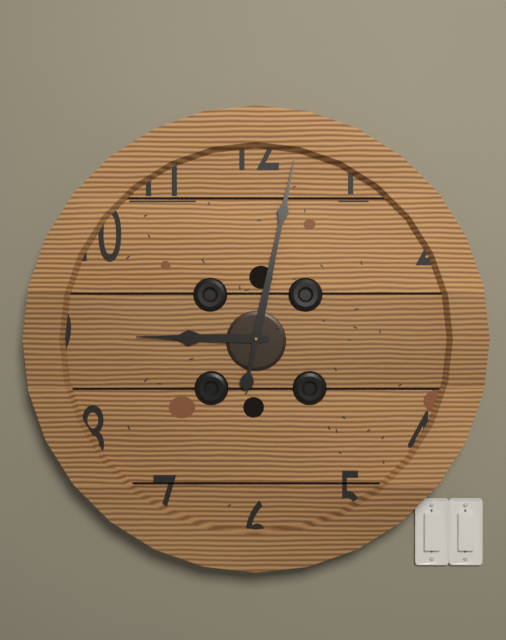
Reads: 9.02
